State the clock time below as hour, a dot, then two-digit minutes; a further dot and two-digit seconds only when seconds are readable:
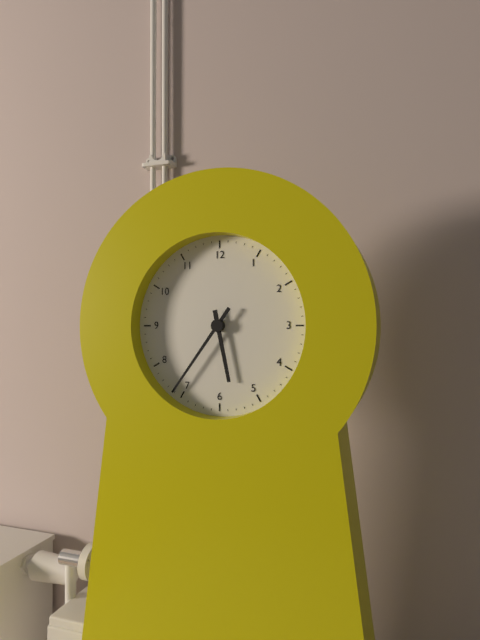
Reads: 5.36
